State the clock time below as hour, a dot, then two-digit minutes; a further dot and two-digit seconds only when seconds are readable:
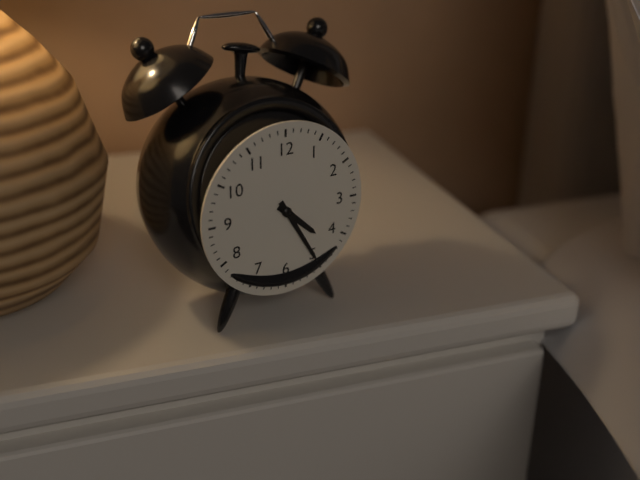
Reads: 4.25
